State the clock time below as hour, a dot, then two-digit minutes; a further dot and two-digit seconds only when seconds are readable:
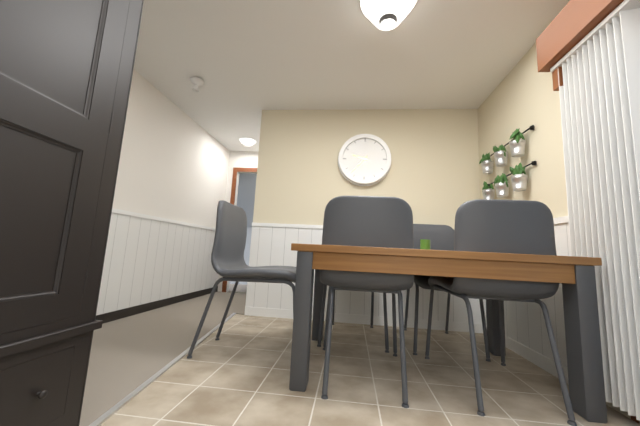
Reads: 9.37
